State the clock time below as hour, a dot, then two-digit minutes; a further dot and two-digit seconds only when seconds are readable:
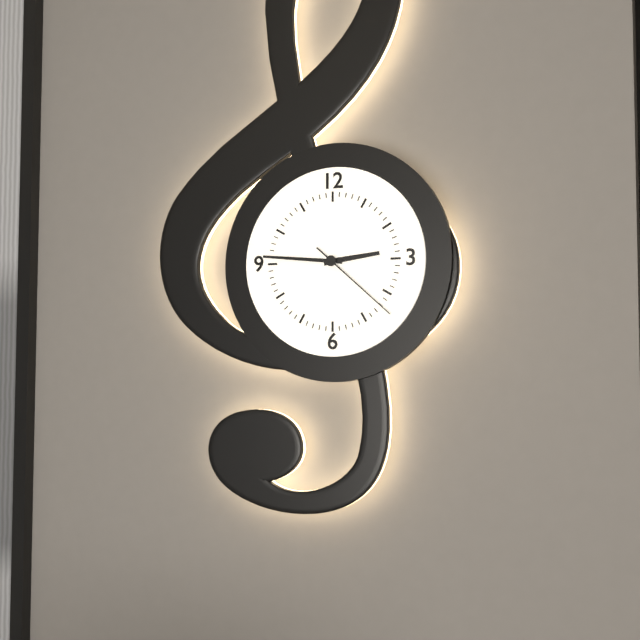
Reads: 2.46.22
